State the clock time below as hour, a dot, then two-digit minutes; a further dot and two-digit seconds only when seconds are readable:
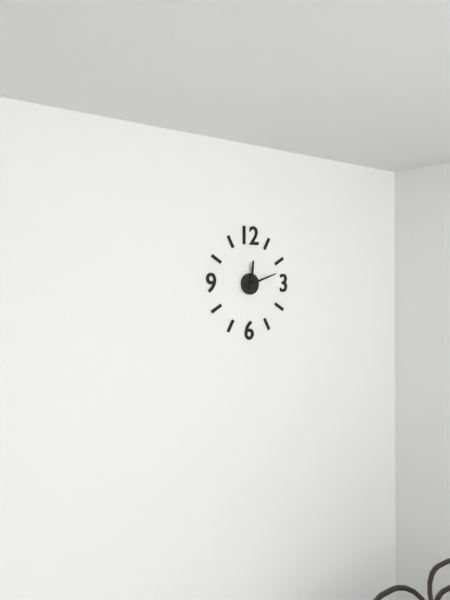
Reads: 12.12
